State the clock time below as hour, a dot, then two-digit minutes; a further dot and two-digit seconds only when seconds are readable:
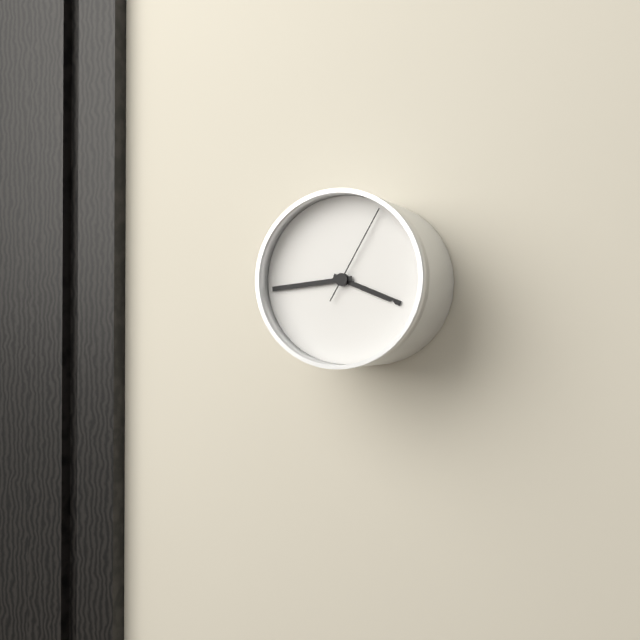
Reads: 3.44.05
